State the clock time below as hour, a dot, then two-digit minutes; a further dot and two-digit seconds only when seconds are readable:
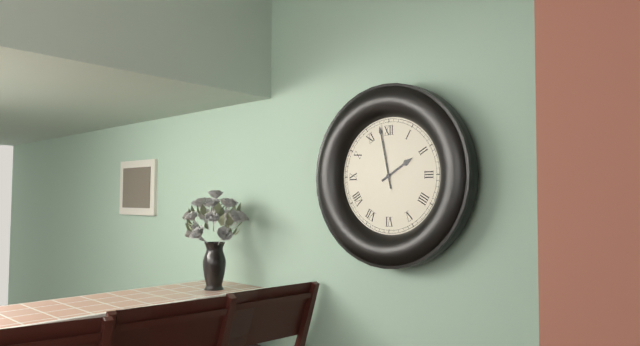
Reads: 1.58
